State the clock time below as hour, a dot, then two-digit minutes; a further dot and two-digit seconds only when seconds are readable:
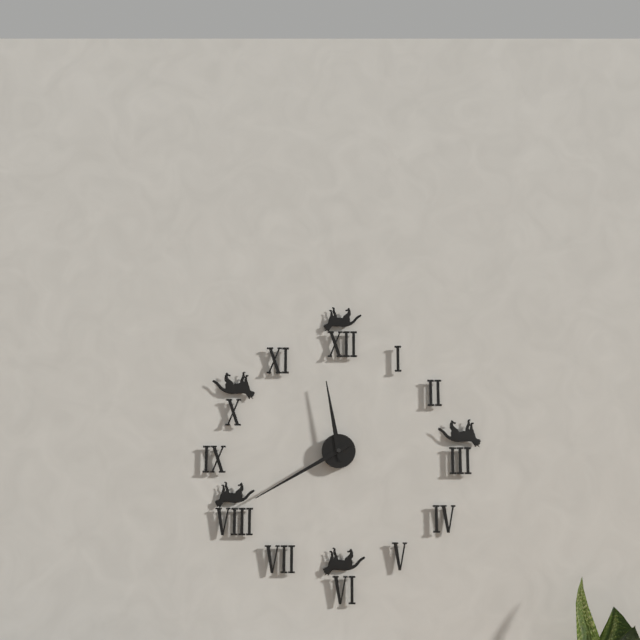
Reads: 11.40
